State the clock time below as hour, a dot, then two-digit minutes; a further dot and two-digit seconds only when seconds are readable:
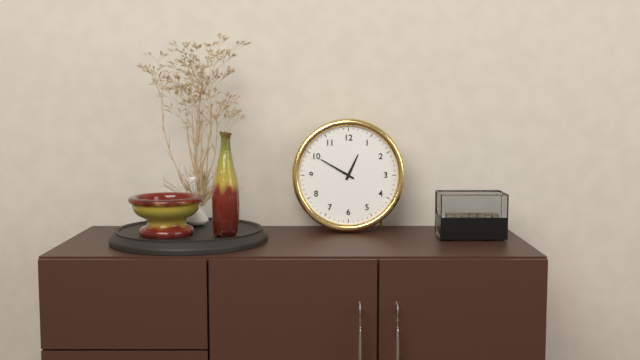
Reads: 12.50
